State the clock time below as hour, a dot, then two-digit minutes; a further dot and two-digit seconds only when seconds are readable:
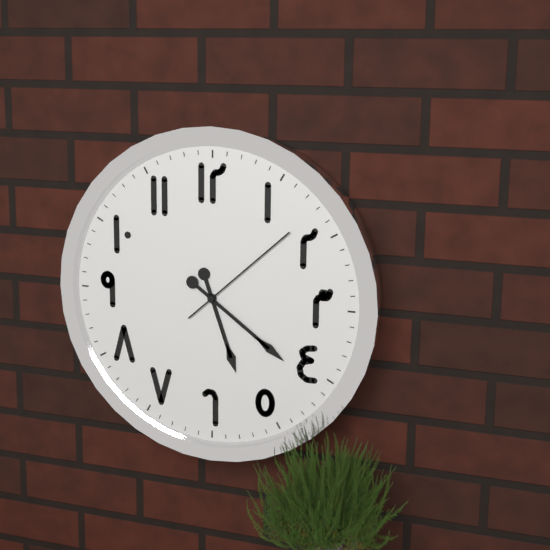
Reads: 5.21.08
